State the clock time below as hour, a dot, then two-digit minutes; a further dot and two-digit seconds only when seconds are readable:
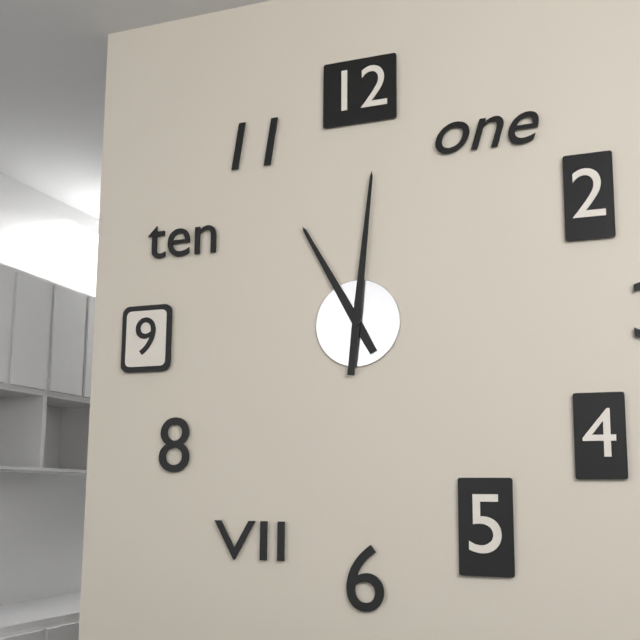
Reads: 11.01
